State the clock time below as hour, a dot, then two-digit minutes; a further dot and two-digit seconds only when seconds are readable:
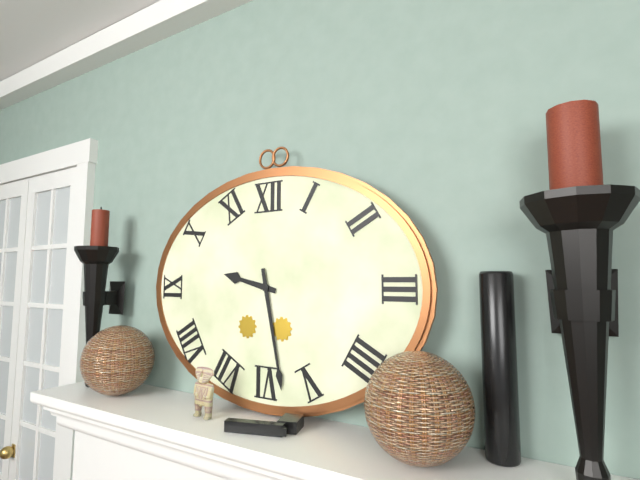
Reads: 9.28
